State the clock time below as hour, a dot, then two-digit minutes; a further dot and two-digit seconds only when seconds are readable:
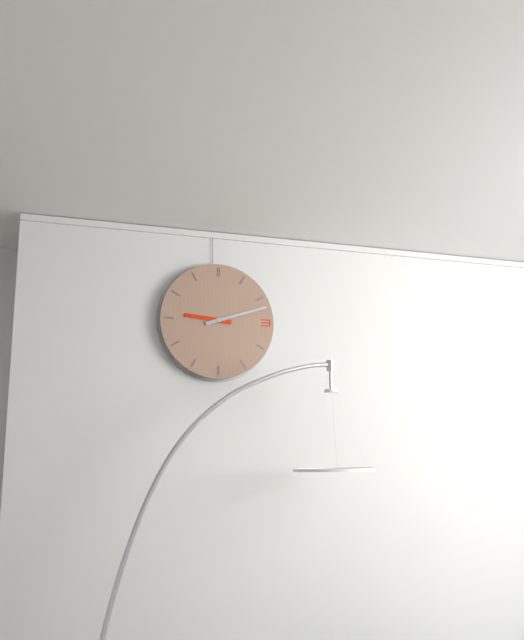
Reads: 9.12
